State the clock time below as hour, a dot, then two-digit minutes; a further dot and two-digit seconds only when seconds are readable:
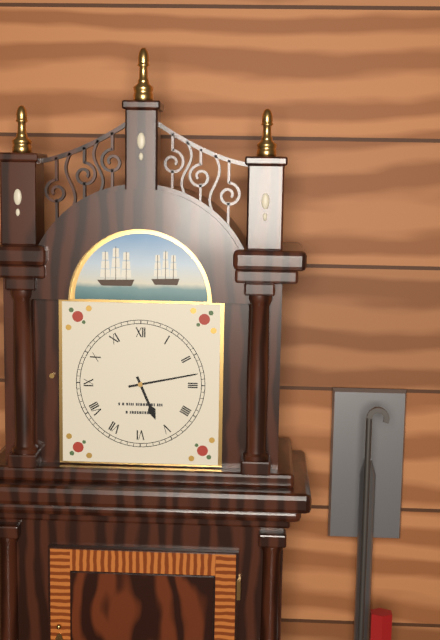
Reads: 5.13
